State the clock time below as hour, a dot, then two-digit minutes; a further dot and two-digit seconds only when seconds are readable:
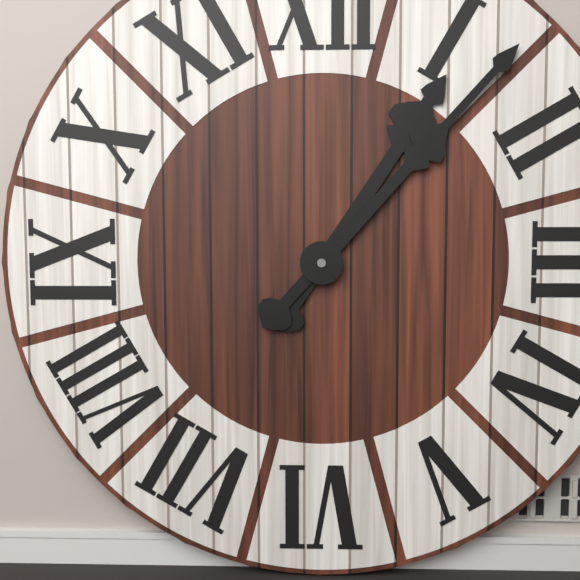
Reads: 1.07
